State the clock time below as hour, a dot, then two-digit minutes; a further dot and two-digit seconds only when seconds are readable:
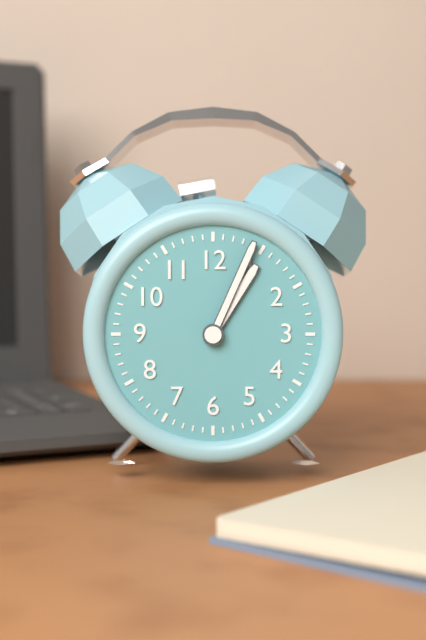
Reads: 1.04
